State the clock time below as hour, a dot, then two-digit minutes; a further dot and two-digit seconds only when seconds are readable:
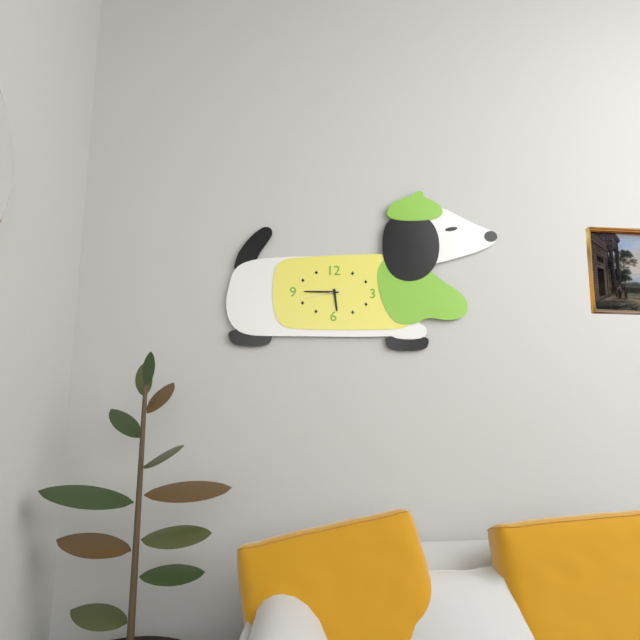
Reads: 5.45
